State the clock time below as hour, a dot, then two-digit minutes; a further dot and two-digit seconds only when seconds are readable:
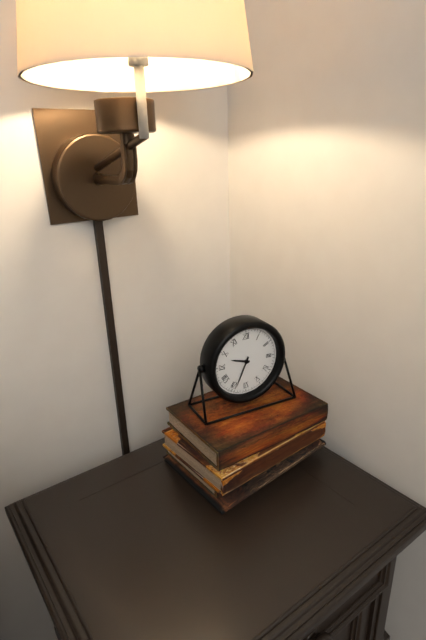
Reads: 9.34
